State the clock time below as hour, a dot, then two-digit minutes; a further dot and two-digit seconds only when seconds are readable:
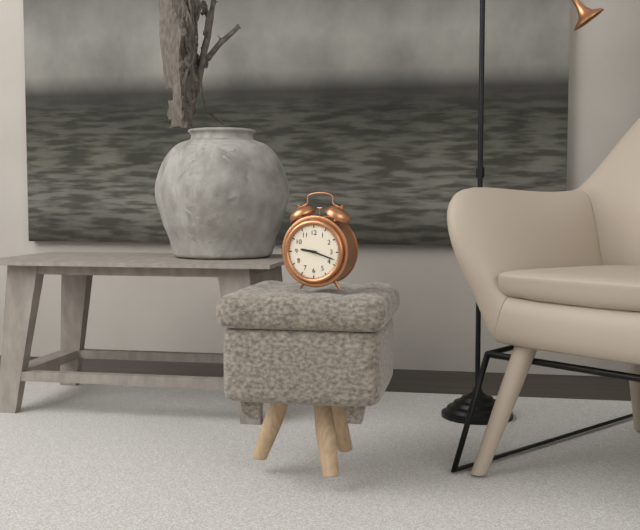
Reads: 9.18
